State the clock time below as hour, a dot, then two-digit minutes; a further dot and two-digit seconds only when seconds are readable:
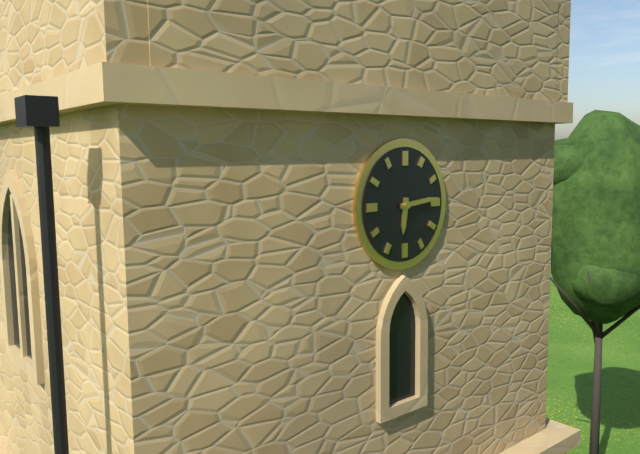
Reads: 6.14
